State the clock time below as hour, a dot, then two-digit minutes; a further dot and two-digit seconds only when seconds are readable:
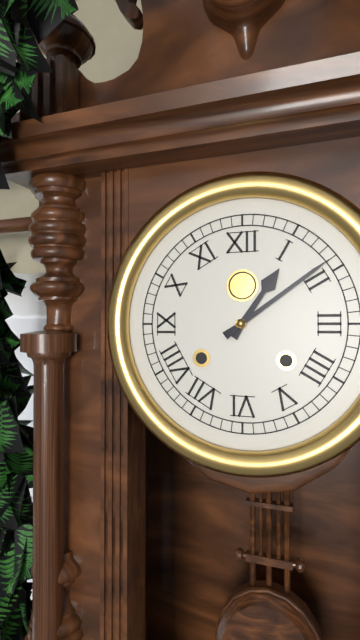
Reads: 1.09
